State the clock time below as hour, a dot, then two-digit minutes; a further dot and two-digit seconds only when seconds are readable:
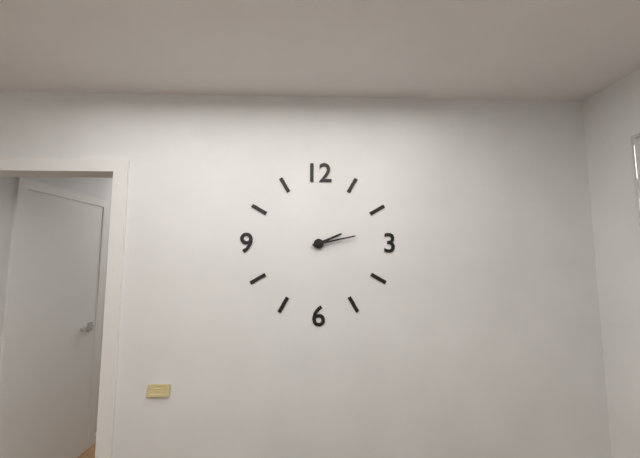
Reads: 2.13
